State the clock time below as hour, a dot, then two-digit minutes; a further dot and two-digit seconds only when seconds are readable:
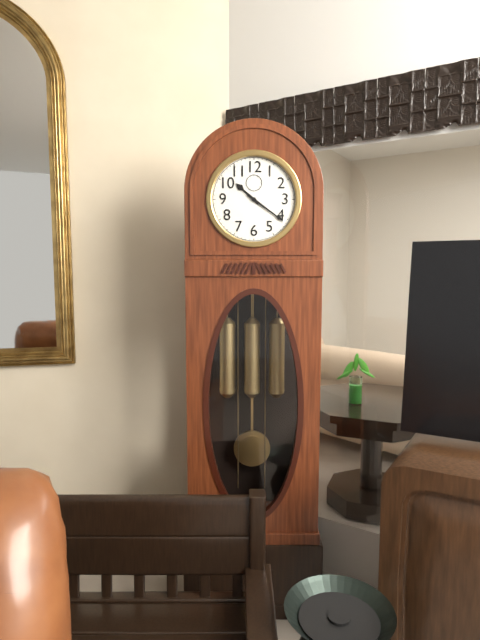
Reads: 10.21
